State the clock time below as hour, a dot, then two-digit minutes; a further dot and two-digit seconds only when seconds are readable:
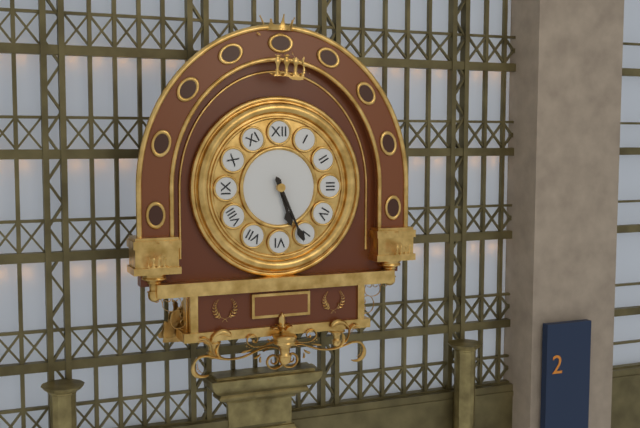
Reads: 5.26
